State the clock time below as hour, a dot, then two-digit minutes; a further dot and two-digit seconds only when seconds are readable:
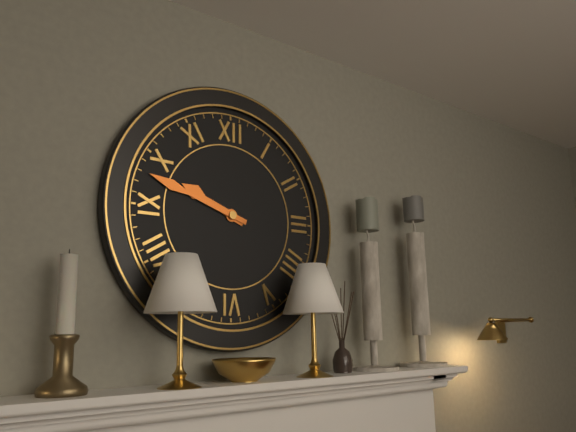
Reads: 9.48
